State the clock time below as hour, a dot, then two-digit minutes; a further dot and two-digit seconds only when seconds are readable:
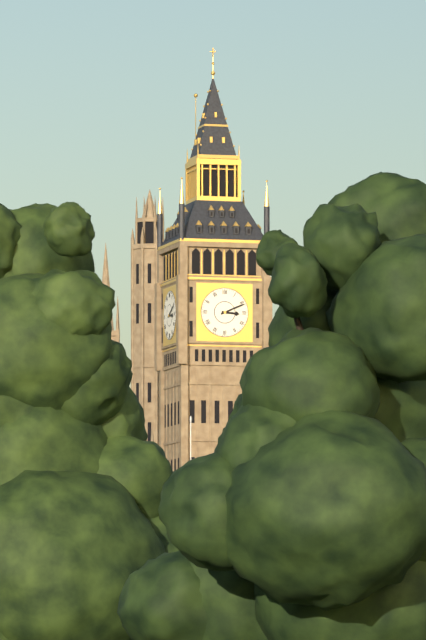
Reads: 3.11
